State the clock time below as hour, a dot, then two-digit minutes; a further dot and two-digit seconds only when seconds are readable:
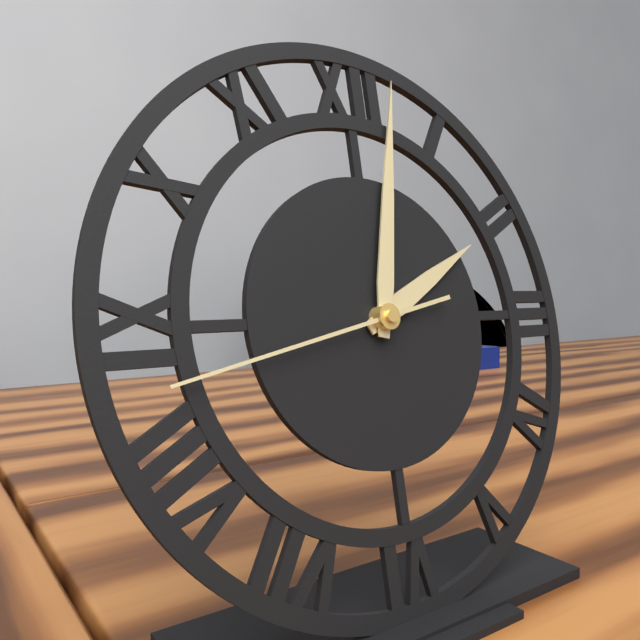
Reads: 2.02.43
